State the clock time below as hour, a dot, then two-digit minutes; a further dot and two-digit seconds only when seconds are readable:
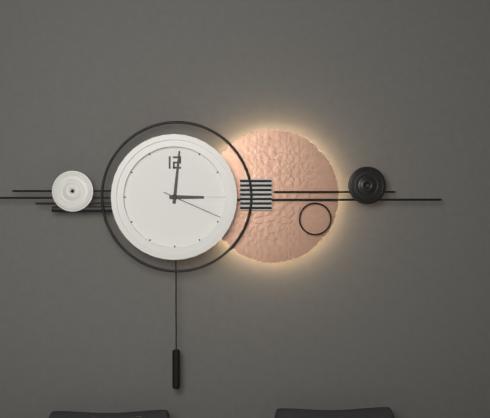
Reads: 3.01.19
